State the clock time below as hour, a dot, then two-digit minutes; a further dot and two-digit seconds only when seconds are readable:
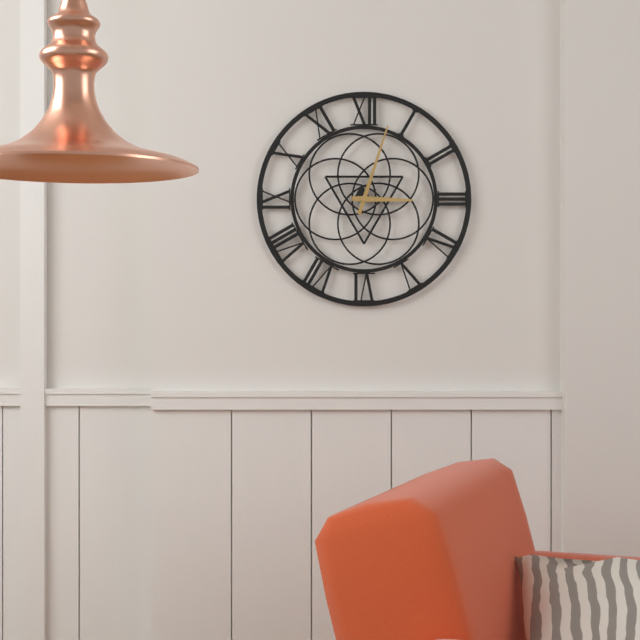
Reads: 3.03
